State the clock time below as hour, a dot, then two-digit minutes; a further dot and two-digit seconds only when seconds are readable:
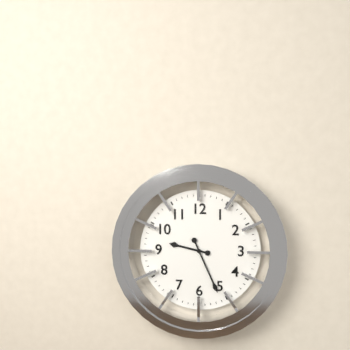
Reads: 9.26
